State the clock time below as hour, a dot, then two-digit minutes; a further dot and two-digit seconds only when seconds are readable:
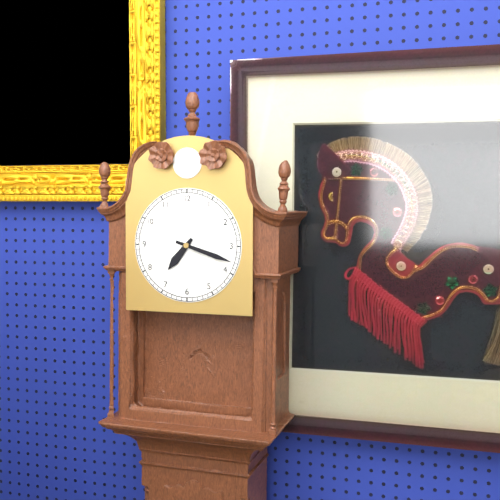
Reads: 7.18
